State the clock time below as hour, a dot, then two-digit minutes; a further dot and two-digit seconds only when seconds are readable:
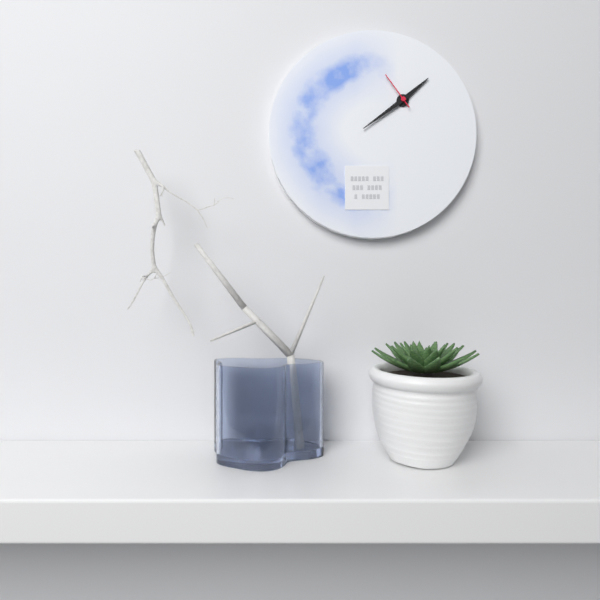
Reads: 1.39
